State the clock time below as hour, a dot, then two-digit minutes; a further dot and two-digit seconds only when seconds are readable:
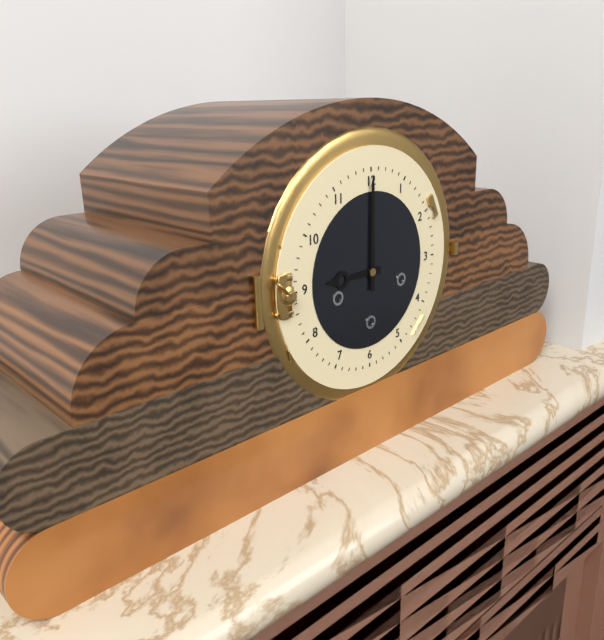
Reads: 9.00
